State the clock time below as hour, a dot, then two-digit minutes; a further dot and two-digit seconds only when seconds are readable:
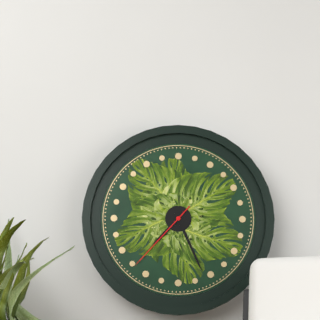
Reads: 7.26.37
